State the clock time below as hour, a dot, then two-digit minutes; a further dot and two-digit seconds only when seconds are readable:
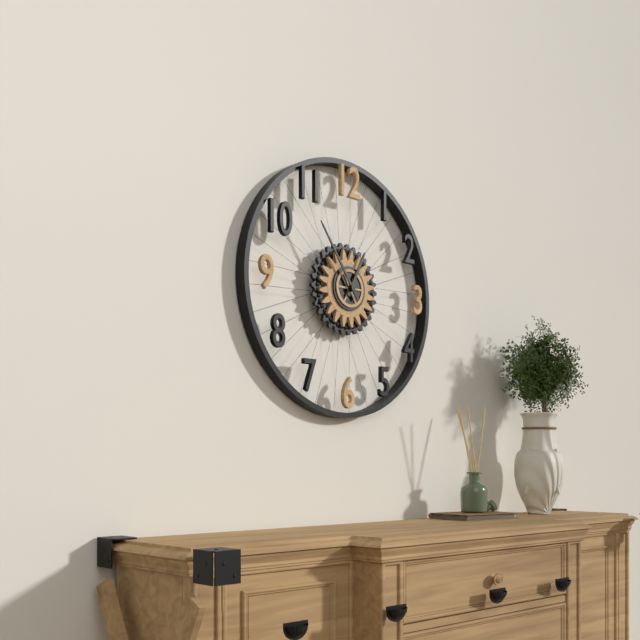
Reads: 12.54
